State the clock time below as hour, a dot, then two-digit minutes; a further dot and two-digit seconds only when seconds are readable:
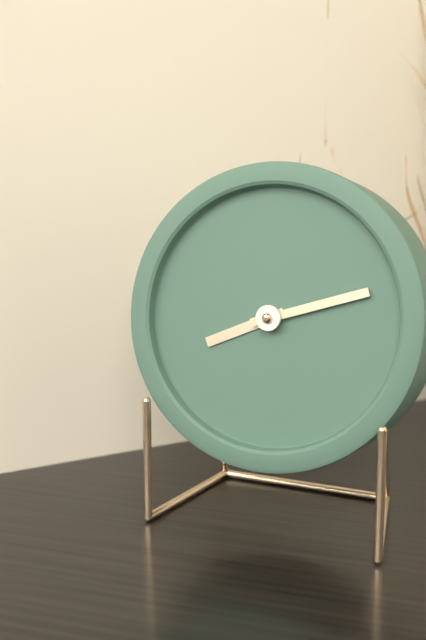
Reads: 8.12
